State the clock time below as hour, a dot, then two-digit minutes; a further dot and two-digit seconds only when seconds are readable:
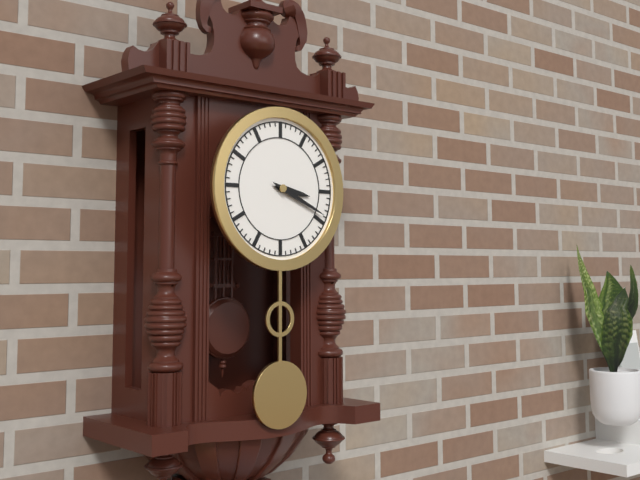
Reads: 3.19
